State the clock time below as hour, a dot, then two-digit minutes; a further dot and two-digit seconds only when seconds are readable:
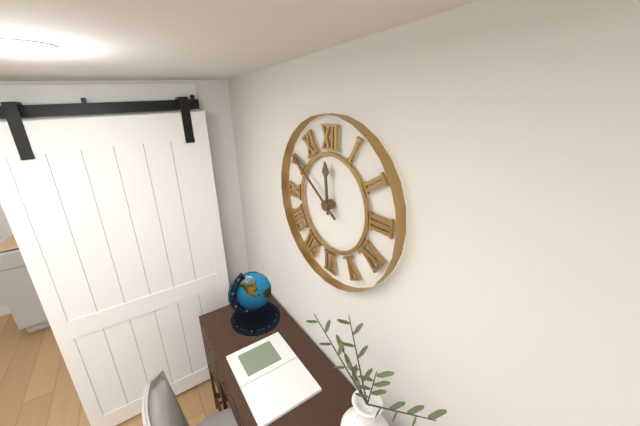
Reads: 11.51
